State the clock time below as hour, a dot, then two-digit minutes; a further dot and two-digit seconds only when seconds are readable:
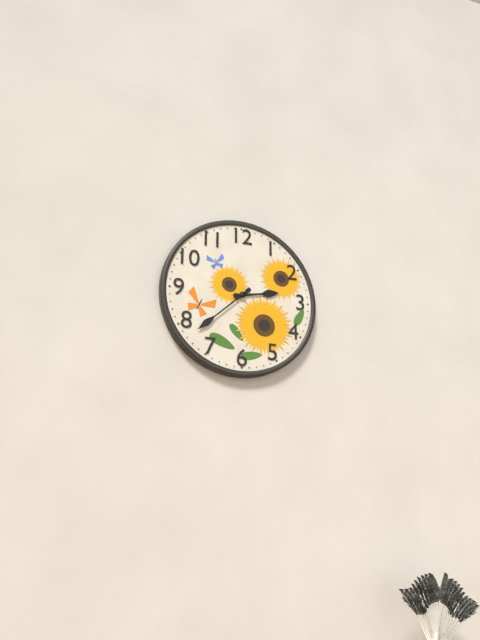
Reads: 2.38
